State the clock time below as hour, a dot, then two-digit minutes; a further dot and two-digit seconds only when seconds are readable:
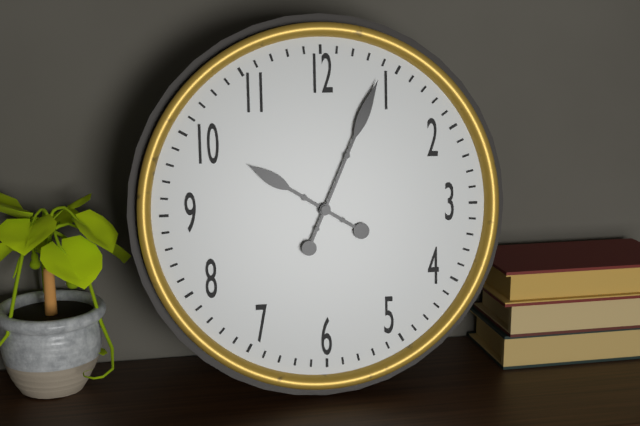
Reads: 10.04
